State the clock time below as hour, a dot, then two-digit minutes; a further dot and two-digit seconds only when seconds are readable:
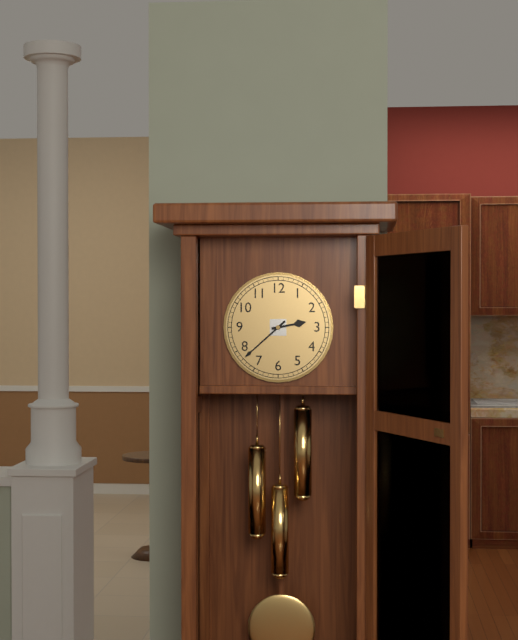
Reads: 2.38
